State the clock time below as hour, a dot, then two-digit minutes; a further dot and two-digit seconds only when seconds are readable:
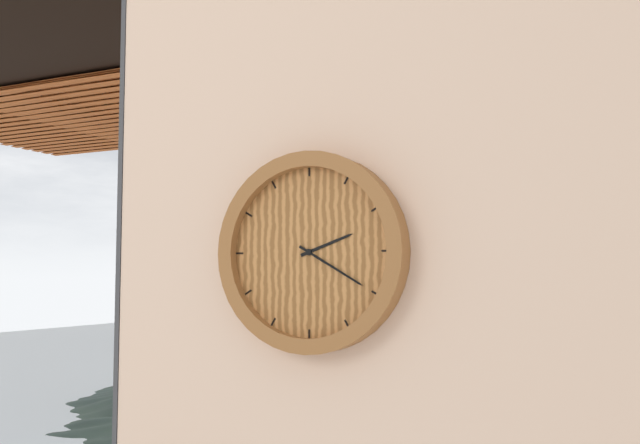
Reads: 2.20
